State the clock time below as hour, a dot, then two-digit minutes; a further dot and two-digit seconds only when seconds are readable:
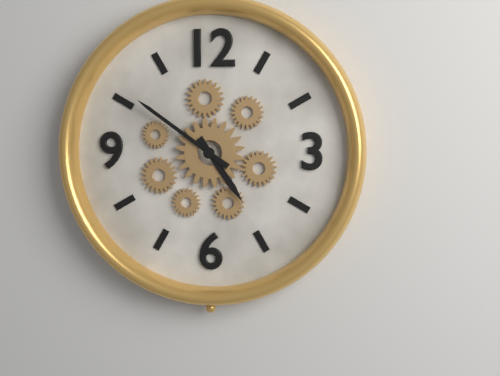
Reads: 4.51
